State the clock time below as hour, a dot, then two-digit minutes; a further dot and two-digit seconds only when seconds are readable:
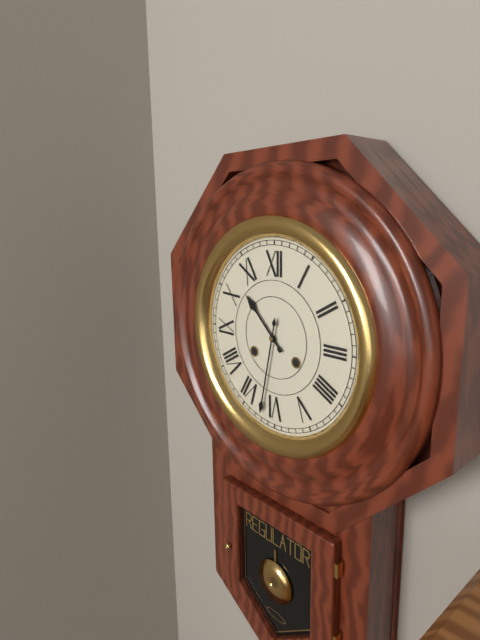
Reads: 10.32
